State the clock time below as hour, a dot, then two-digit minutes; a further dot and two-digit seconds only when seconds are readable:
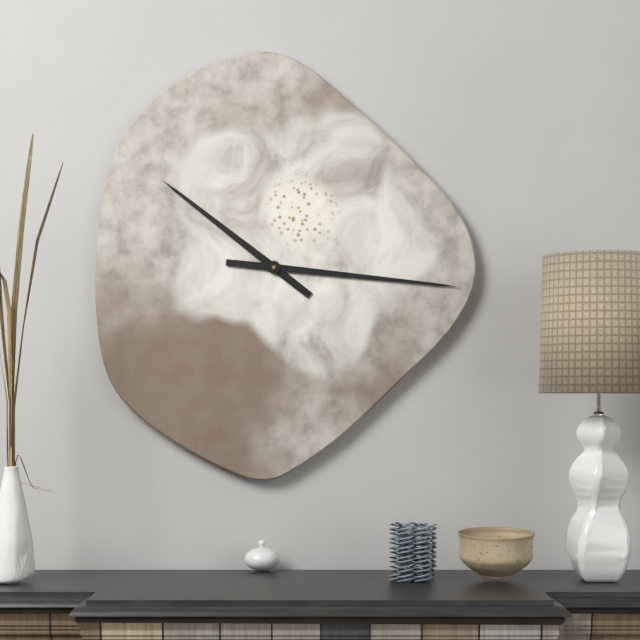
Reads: 10.16
